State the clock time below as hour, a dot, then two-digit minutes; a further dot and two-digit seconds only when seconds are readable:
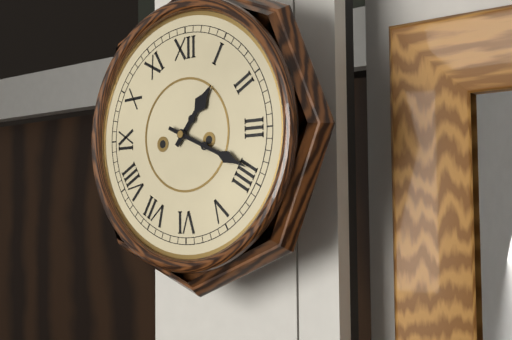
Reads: 1.19
